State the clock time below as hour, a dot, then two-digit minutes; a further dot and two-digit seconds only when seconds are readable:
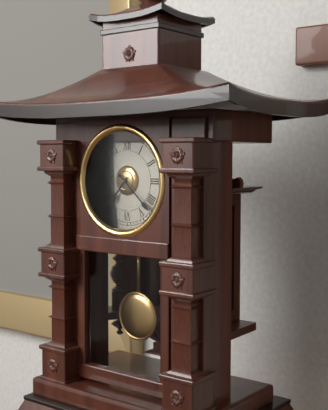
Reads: 7.22
